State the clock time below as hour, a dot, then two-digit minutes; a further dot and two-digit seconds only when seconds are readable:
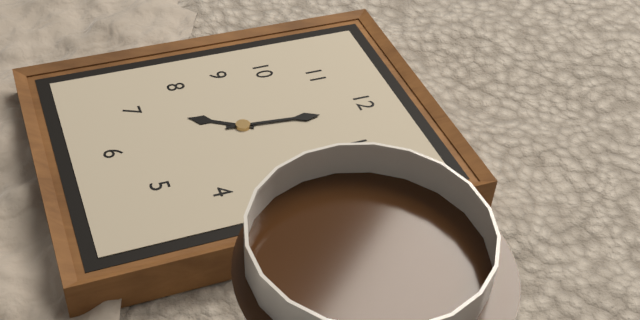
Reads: 7.01
